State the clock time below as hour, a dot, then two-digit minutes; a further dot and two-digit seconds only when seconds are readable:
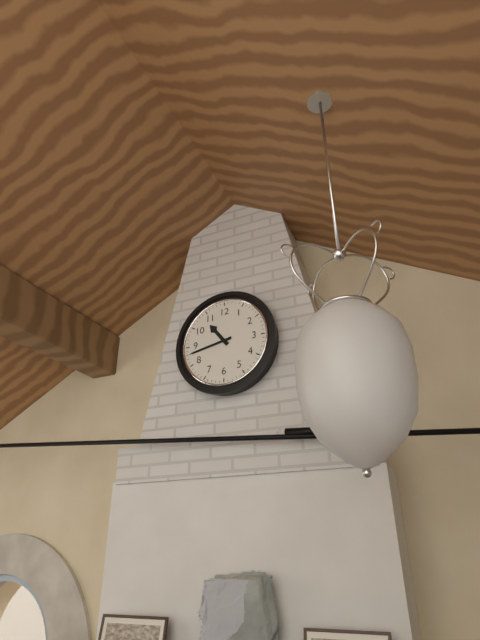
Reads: 10.43
